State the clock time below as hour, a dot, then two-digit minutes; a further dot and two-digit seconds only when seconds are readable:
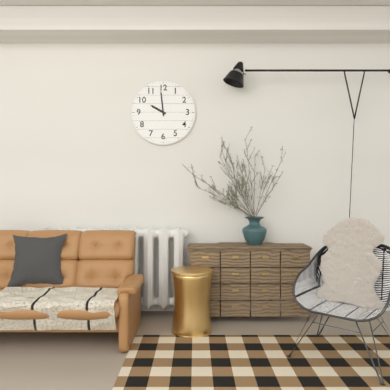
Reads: 9.59
